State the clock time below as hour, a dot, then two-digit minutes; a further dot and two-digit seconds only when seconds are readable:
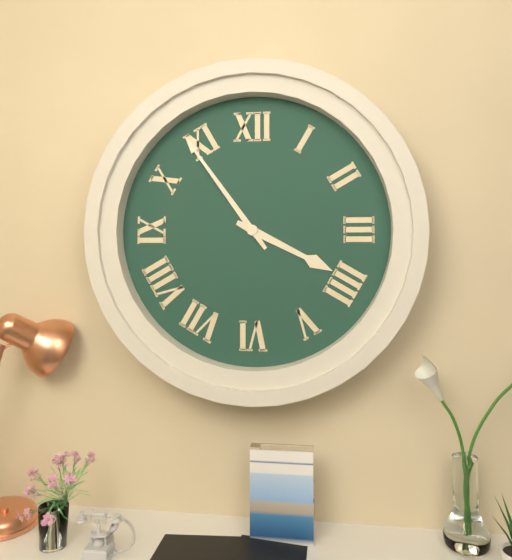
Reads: 3.54
